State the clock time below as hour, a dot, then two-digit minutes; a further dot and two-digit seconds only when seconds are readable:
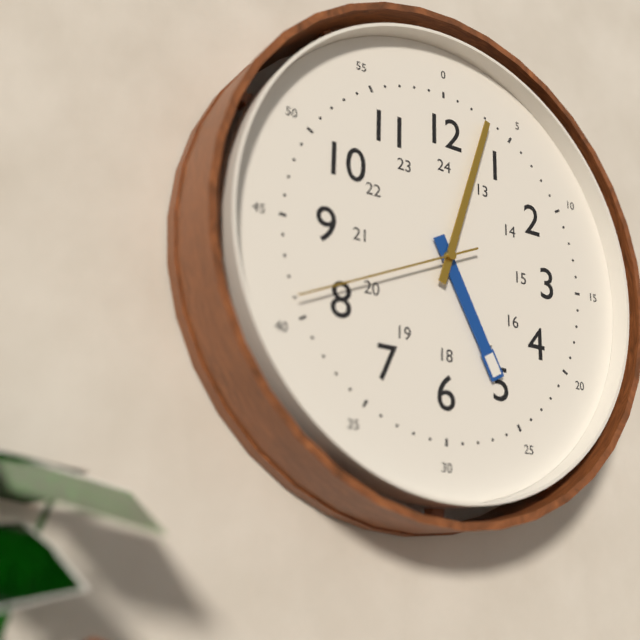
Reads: 5.03.41
